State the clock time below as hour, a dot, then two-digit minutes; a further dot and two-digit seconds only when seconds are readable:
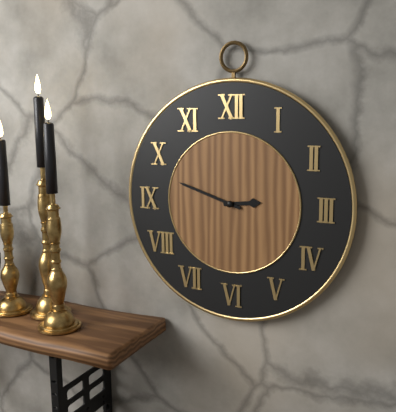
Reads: 2.48
